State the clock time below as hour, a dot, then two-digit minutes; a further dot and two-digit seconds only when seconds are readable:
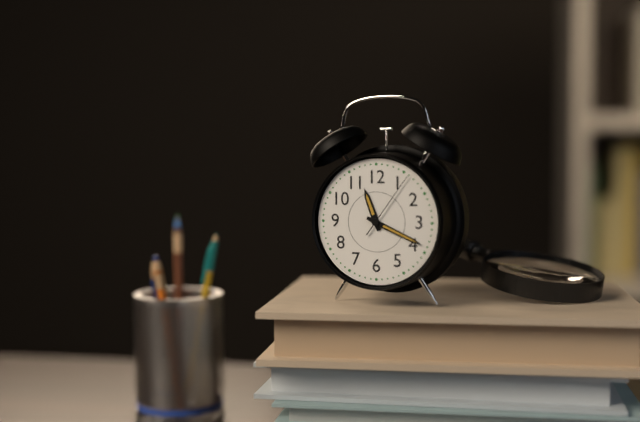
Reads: 11.19.06
